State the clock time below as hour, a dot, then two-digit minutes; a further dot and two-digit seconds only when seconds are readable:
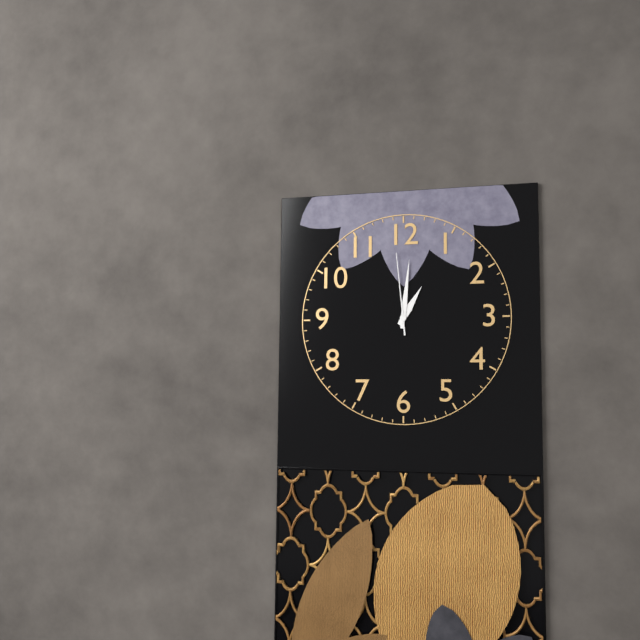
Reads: 1.01.59
